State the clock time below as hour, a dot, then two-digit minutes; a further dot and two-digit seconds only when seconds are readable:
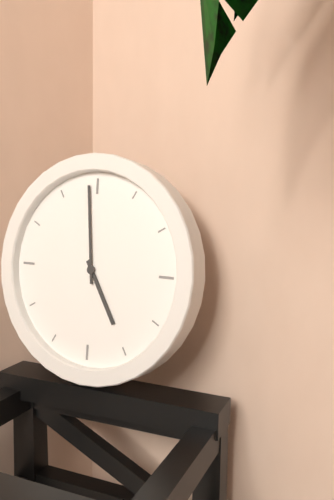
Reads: 4.59
